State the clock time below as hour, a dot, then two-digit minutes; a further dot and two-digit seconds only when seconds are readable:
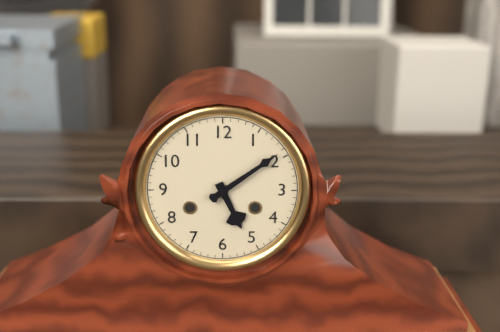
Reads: 5.09
